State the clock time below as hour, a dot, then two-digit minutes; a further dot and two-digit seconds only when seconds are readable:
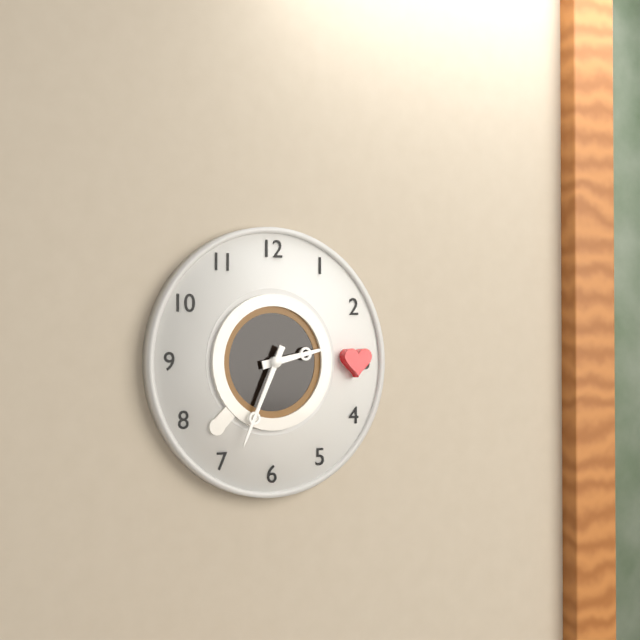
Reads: 2.34
